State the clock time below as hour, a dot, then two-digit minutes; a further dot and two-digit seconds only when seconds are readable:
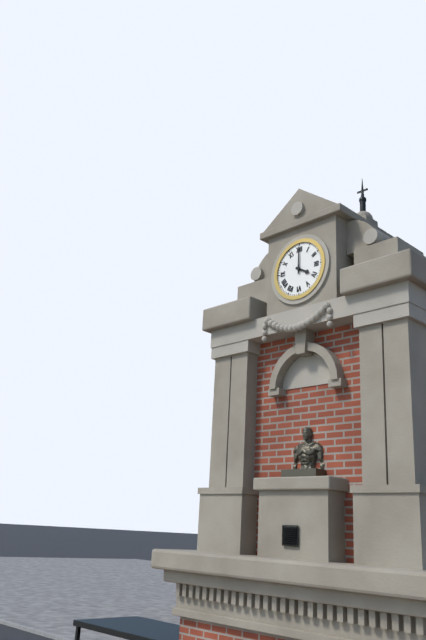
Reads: 4.00
